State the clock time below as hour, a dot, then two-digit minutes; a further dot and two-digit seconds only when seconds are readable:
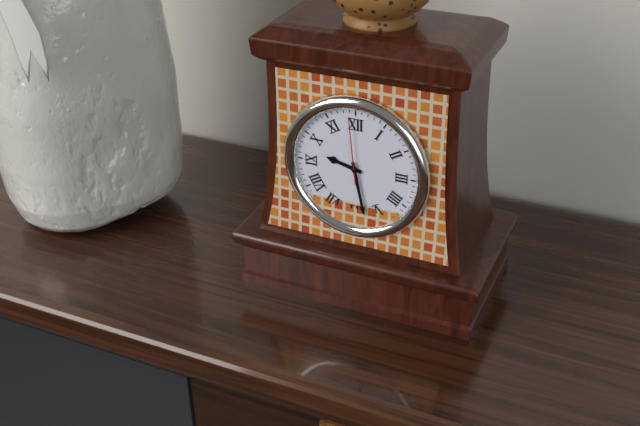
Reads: 9.28.59
